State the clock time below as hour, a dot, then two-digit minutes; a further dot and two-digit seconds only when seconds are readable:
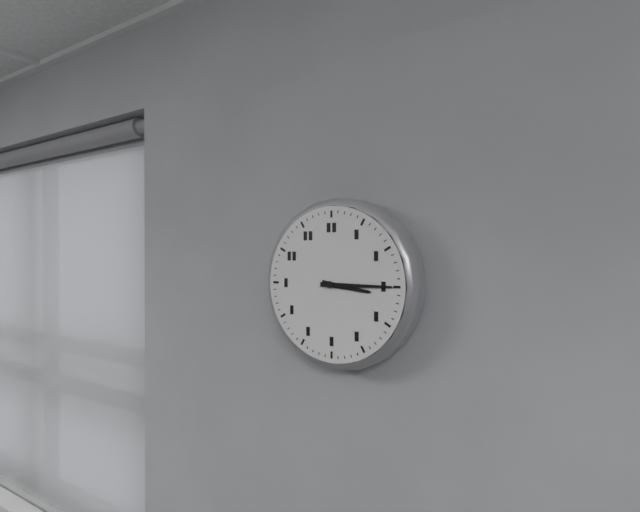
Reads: 3.15
